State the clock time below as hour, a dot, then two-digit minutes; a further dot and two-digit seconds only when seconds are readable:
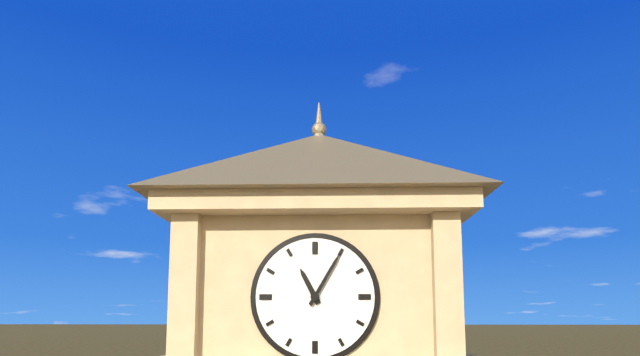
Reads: 11.05
